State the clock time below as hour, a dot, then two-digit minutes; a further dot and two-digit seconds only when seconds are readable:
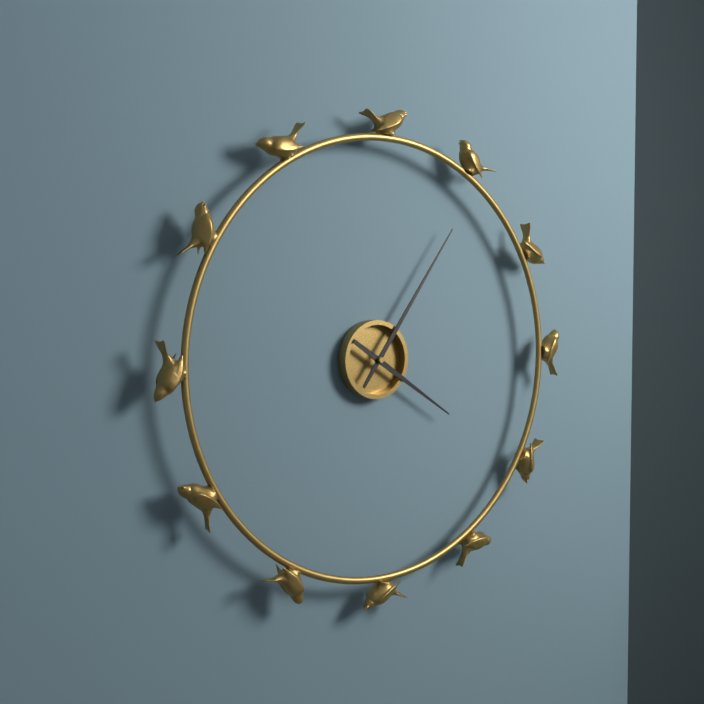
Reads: 4.06
